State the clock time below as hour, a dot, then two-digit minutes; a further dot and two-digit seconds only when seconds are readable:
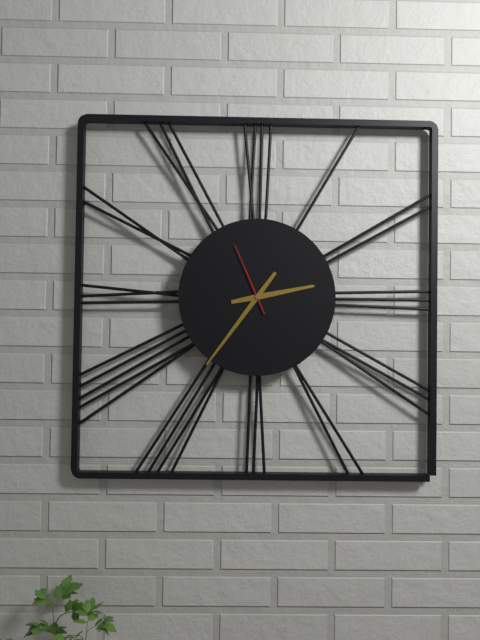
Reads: 2.36.56
